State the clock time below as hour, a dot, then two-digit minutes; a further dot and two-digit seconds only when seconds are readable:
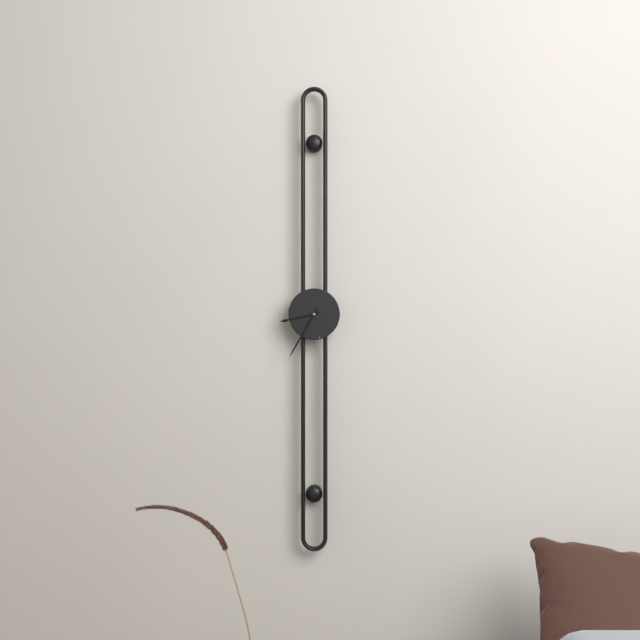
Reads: 8.35
